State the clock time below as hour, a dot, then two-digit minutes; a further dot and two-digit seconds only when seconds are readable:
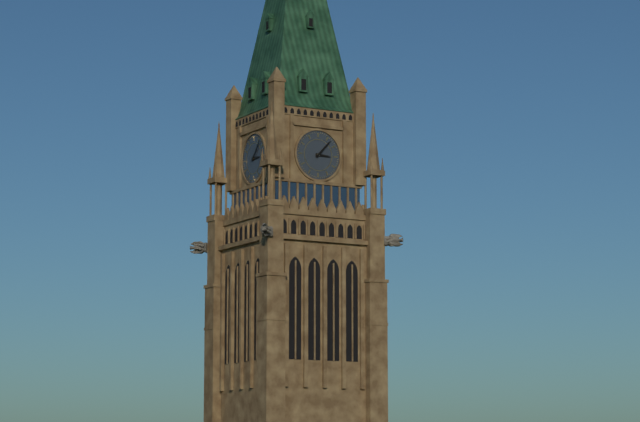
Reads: 3.07
